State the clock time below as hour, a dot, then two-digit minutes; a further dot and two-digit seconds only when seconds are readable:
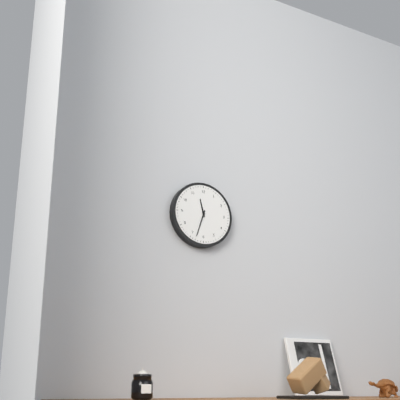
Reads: 11.33
